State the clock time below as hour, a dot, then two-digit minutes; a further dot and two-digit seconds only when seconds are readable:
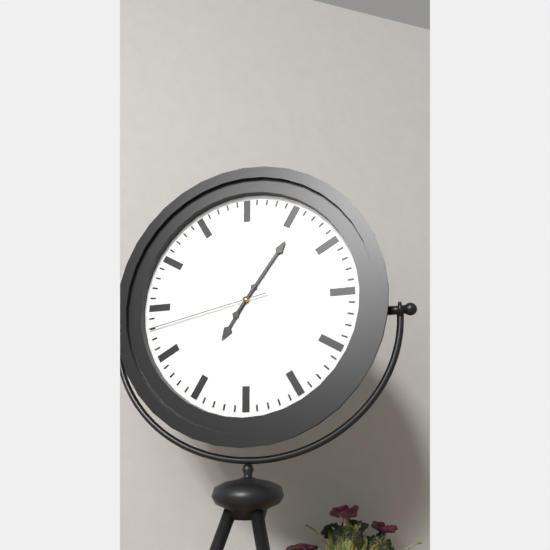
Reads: 7.06.43
